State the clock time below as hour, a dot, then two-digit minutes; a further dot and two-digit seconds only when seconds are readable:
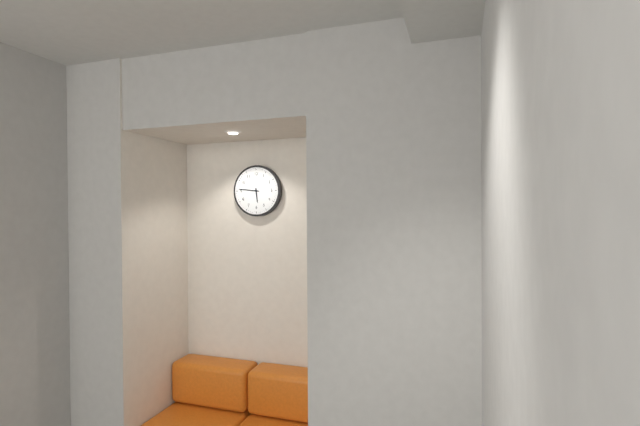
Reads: 5.46
